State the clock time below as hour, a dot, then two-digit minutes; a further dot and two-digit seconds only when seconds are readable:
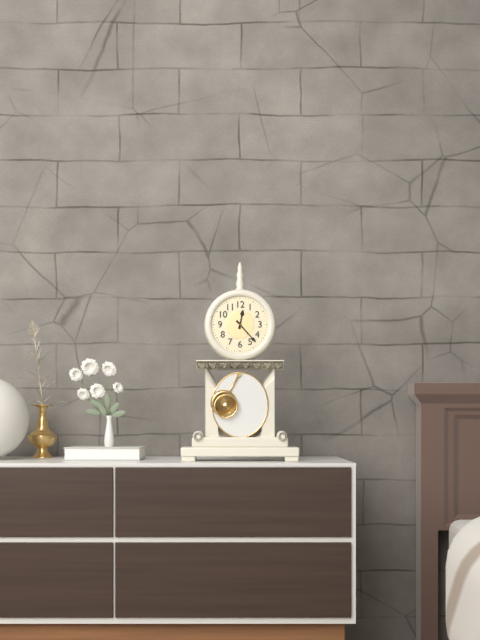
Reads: 12.23
